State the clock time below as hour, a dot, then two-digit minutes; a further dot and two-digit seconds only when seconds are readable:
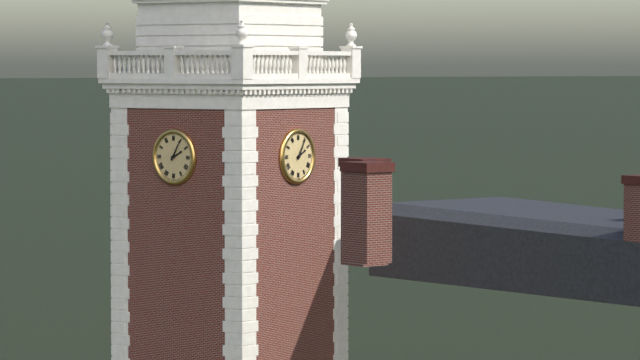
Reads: 2.05
